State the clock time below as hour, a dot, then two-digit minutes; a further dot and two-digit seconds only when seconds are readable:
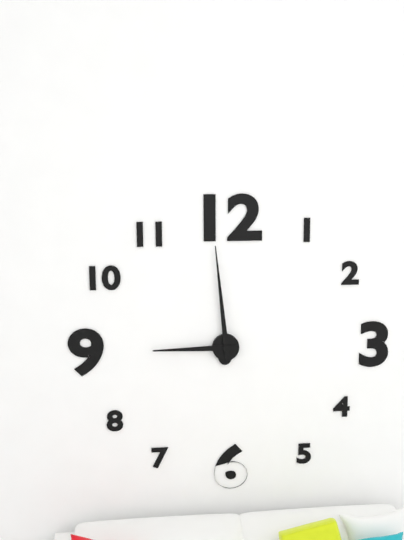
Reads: 8.59
